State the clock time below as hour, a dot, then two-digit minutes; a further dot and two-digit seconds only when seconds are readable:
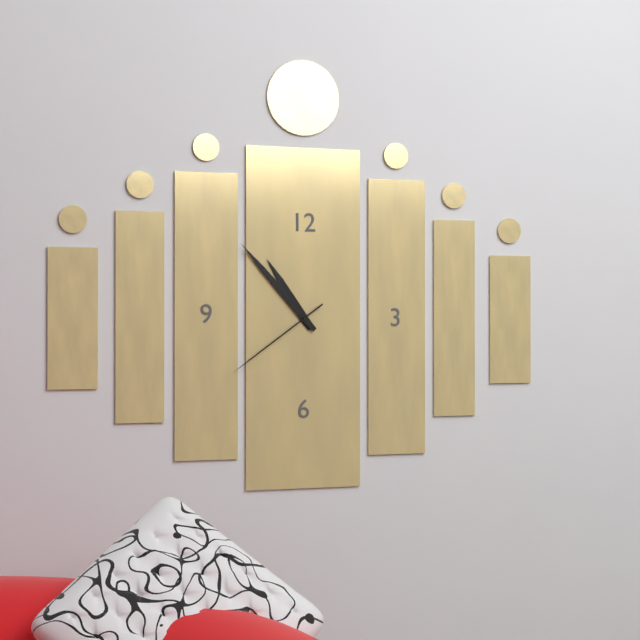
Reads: 10.53.39
